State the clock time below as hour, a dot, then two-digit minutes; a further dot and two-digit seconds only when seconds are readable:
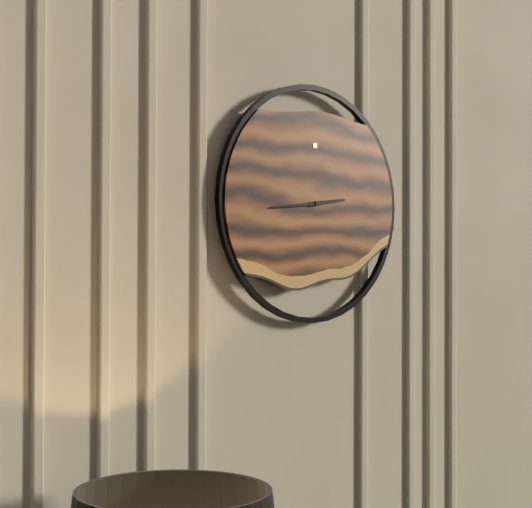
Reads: 2.44
